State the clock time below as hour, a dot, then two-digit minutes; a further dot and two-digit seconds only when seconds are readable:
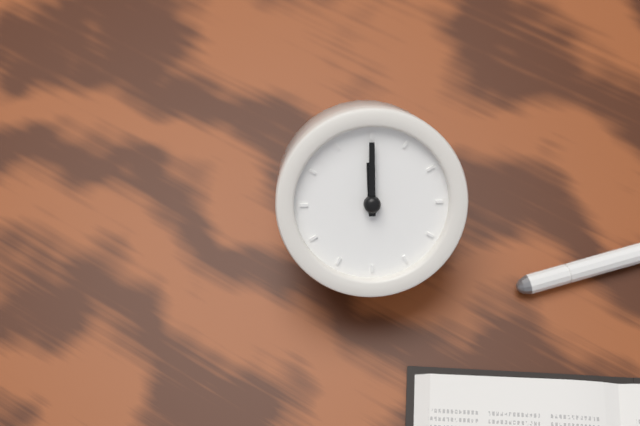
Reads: 10.55
